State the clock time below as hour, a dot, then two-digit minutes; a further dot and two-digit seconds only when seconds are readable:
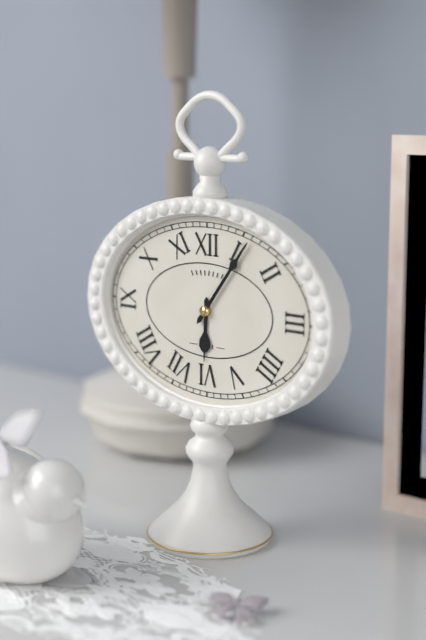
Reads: 6.06
